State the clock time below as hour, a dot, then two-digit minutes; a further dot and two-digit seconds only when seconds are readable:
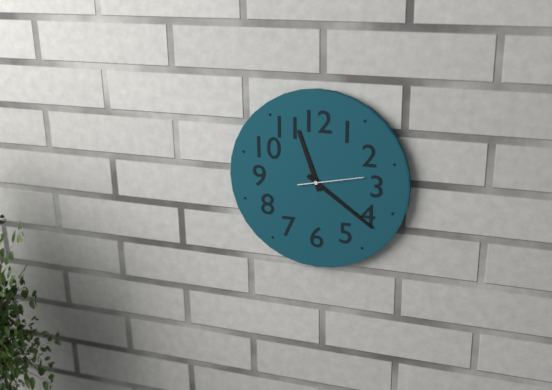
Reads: 11.21.13
